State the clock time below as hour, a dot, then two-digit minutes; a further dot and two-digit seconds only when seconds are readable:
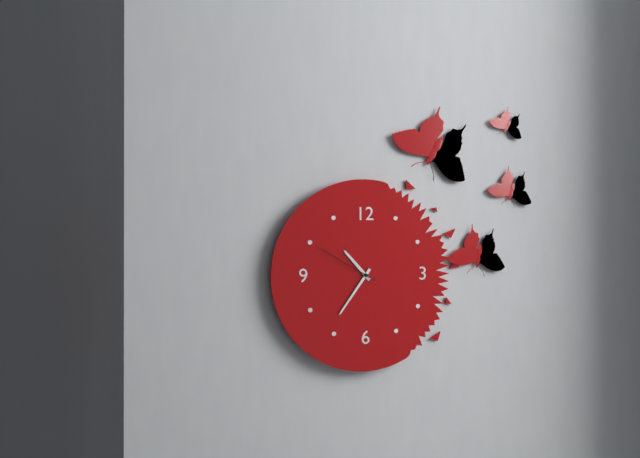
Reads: 10.36.50
